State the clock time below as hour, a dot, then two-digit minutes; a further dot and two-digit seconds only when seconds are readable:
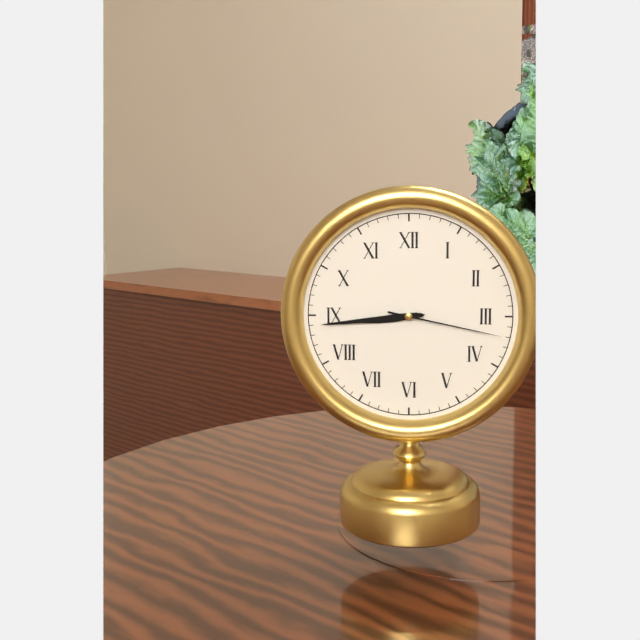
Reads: 8.44.17
